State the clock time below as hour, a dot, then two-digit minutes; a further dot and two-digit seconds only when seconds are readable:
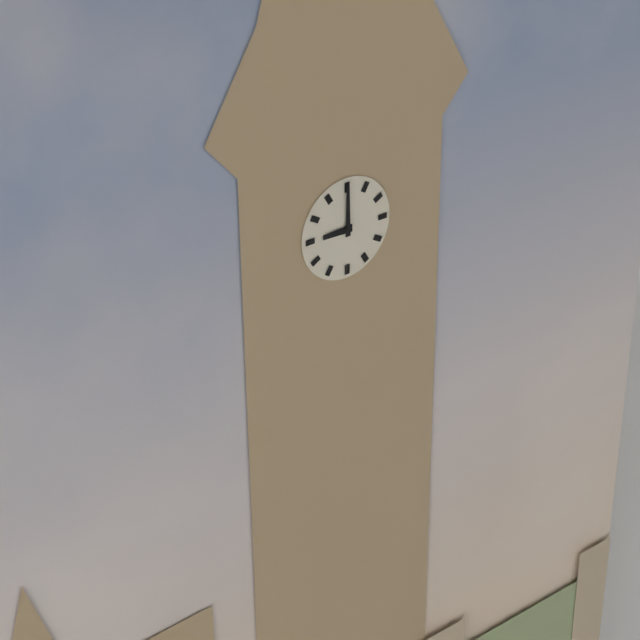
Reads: 9.00
